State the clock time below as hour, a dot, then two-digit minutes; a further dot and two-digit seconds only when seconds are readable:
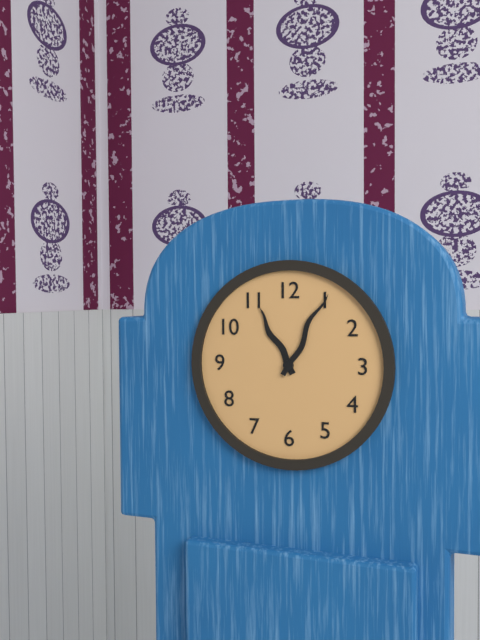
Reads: 11.05
